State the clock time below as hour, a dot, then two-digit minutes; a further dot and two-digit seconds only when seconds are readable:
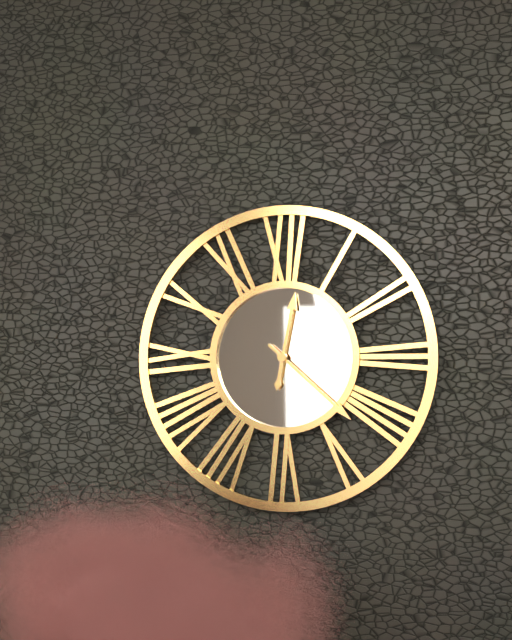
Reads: 12.22
